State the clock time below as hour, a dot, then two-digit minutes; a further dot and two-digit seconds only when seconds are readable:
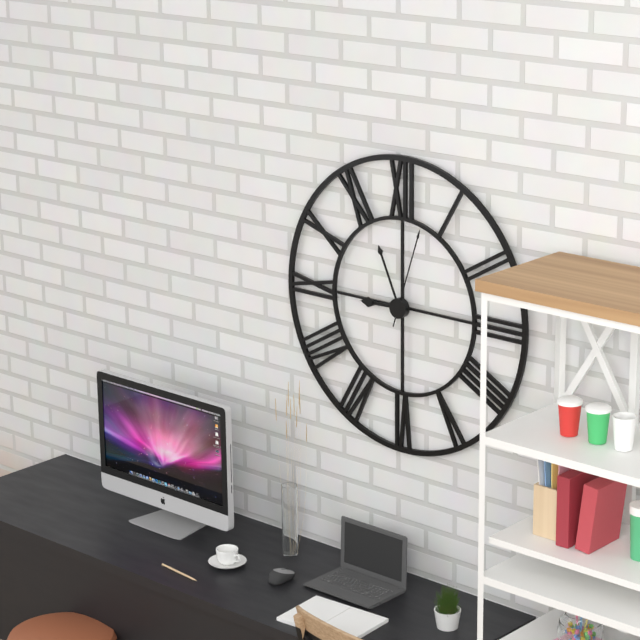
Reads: 8.56.03
